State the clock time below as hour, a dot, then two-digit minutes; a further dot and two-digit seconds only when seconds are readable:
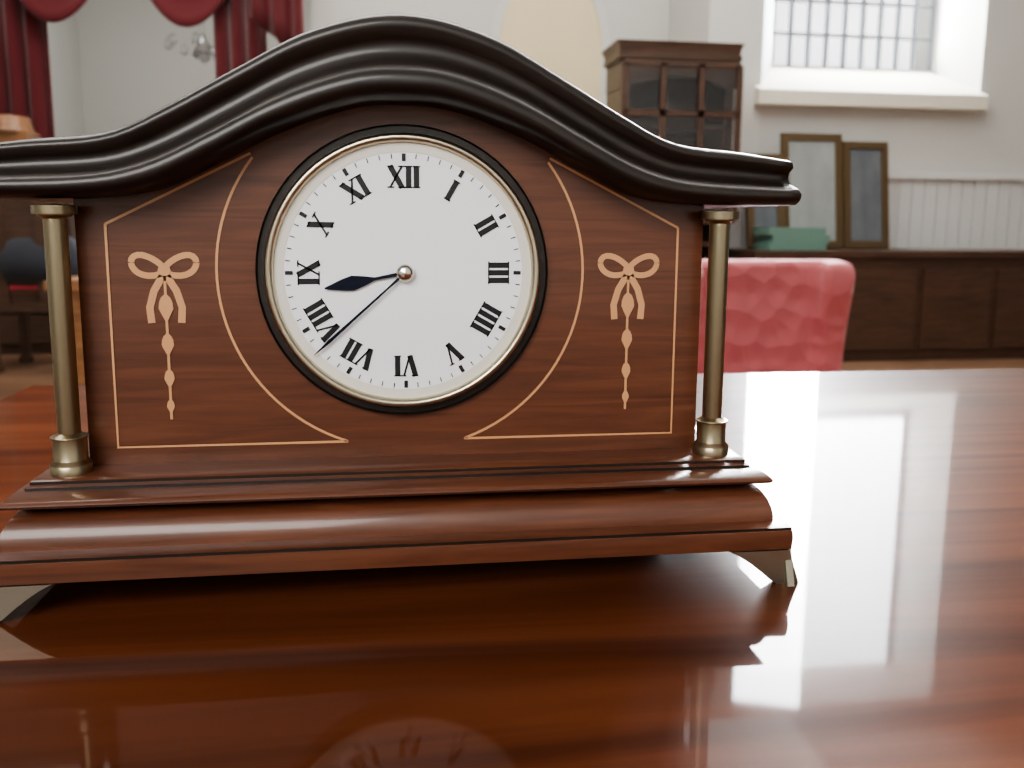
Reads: 8.38
